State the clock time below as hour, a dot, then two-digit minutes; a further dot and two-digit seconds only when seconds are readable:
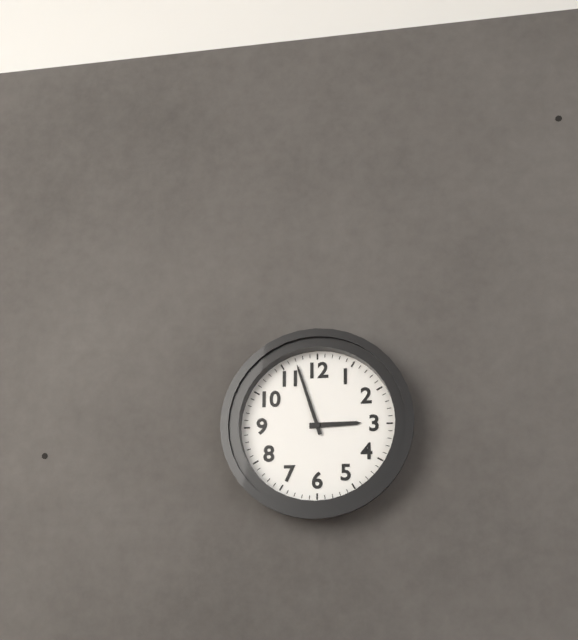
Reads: 2.57
